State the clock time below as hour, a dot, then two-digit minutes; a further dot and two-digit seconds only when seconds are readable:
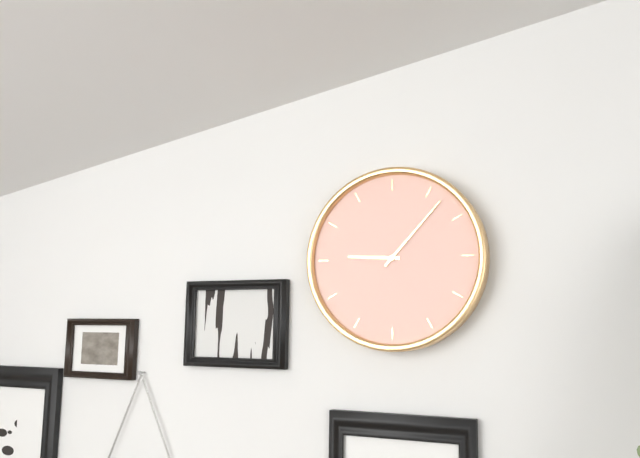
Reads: 9.07
